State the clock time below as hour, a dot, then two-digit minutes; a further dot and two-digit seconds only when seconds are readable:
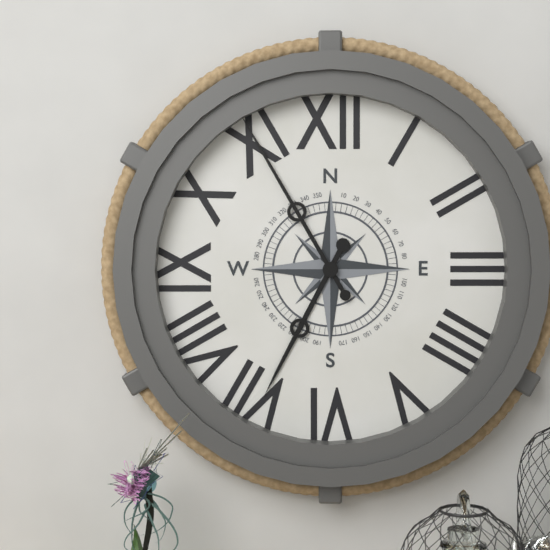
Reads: 6.55
